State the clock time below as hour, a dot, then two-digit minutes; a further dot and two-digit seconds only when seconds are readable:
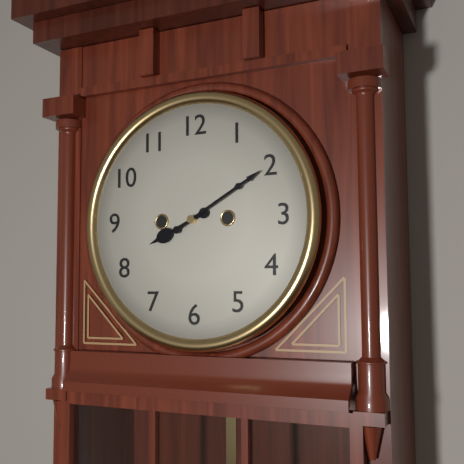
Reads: 8.10
